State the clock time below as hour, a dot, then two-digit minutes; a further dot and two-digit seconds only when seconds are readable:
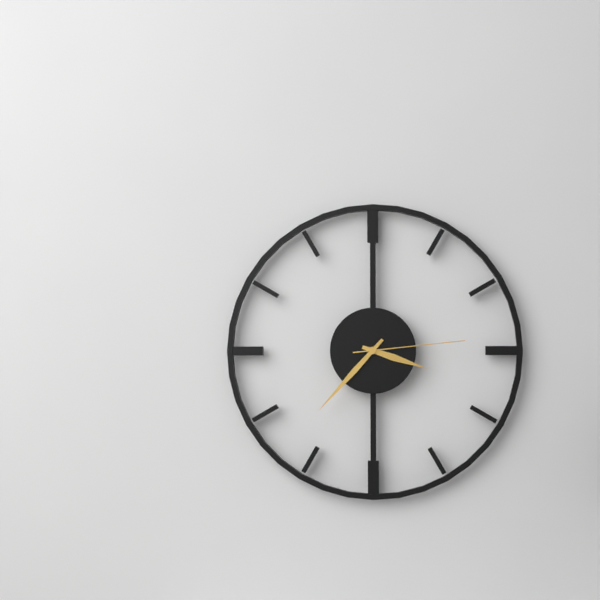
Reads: 3.37.14
